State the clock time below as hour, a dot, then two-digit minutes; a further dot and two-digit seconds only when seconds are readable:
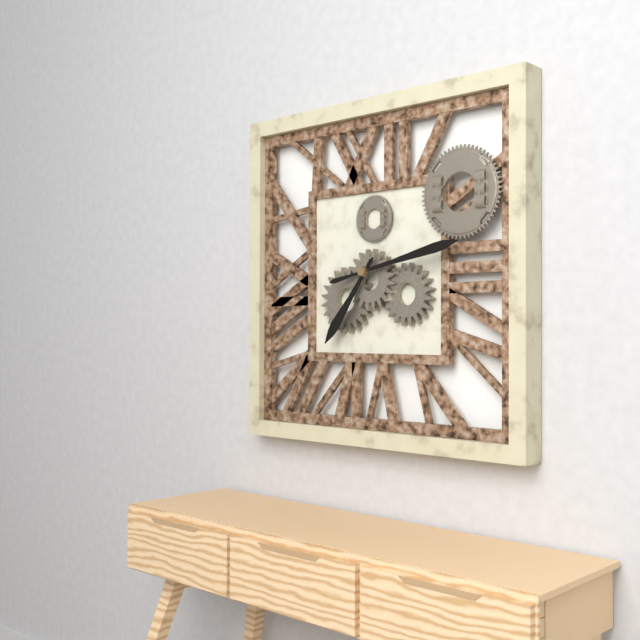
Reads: 7.13
